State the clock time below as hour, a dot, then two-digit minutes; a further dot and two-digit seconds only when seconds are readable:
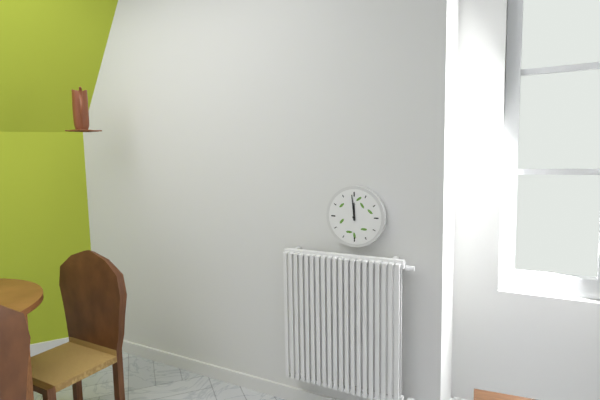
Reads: 11.59
